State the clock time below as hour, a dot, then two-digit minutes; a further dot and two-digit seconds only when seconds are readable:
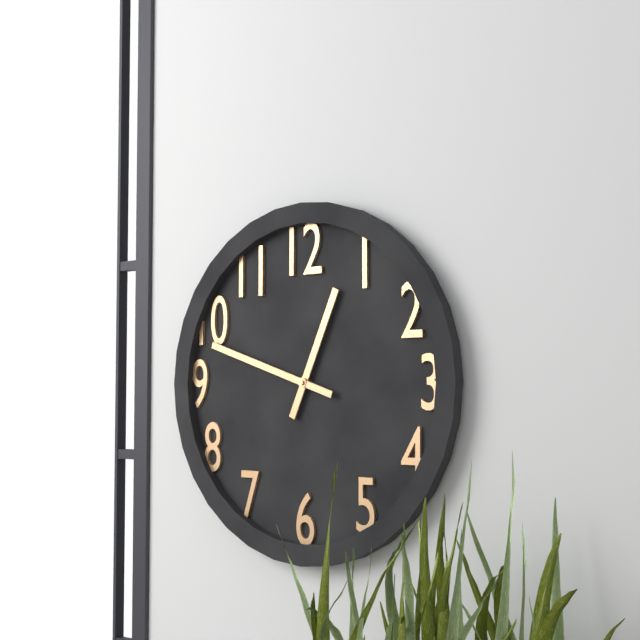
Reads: 12.48
